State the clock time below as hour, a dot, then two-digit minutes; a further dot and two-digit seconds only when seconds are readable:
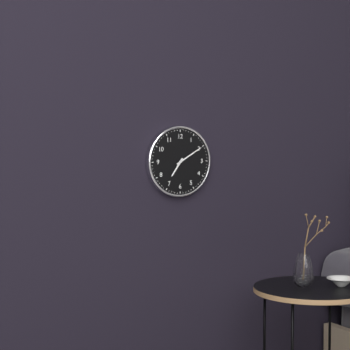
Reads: 7.10
